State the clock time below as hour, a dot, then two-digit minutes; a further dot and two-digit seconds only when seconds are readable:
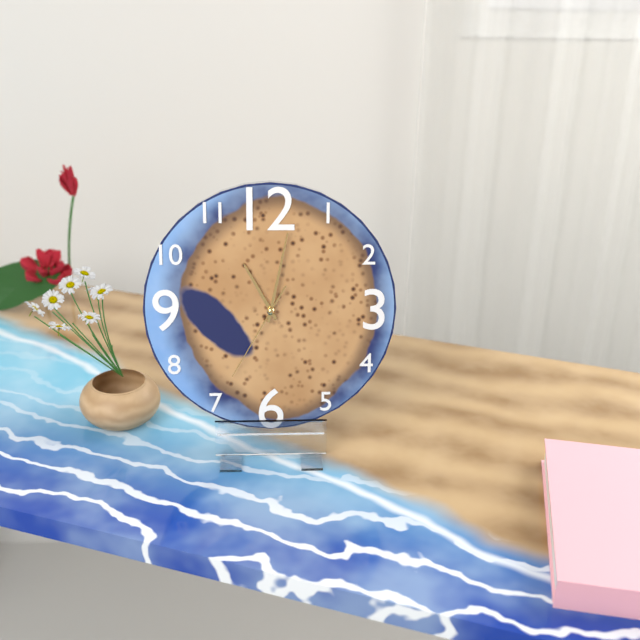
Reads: 11.02.35
